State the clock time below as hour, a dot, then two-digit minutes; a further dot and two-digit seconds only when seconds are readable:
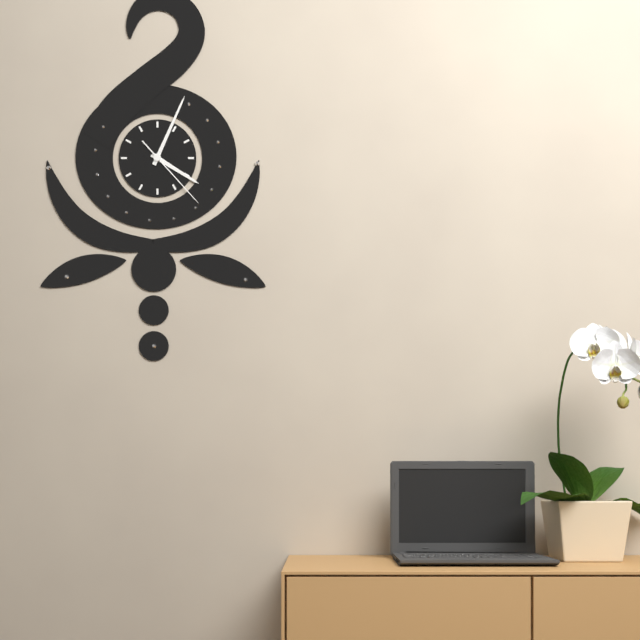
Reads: 4.04.23
